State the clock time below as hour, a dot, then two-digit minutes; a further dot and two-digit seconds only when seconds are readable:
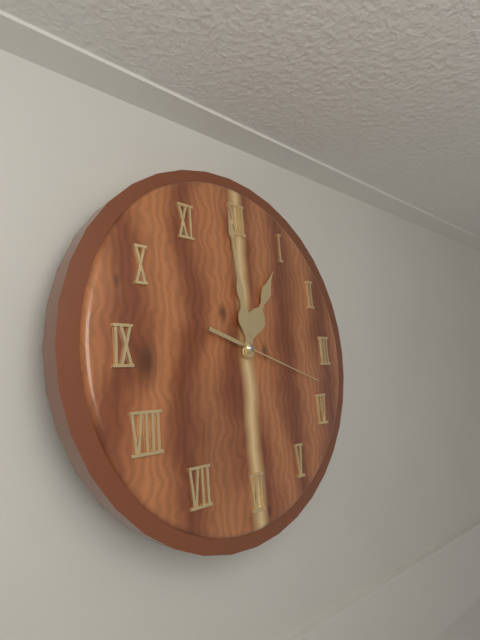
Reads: 12.59.18
